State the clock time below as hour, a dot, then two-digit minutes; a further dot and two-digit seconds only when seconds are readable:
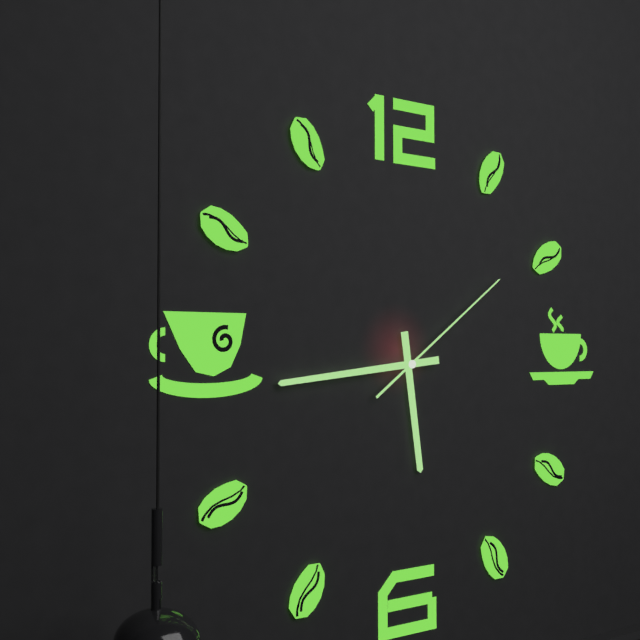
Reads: 5.44.09
